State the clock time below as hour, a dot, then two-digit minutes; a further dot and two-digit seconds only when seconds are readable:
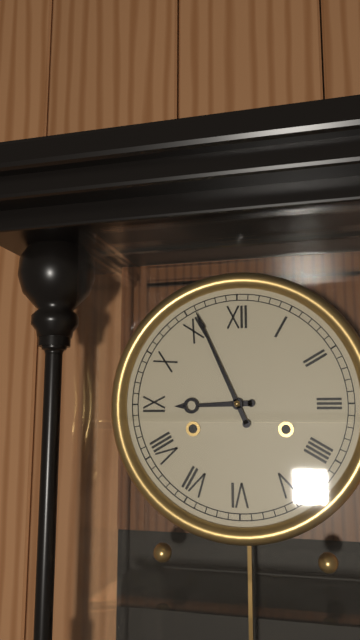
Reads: 8.56
